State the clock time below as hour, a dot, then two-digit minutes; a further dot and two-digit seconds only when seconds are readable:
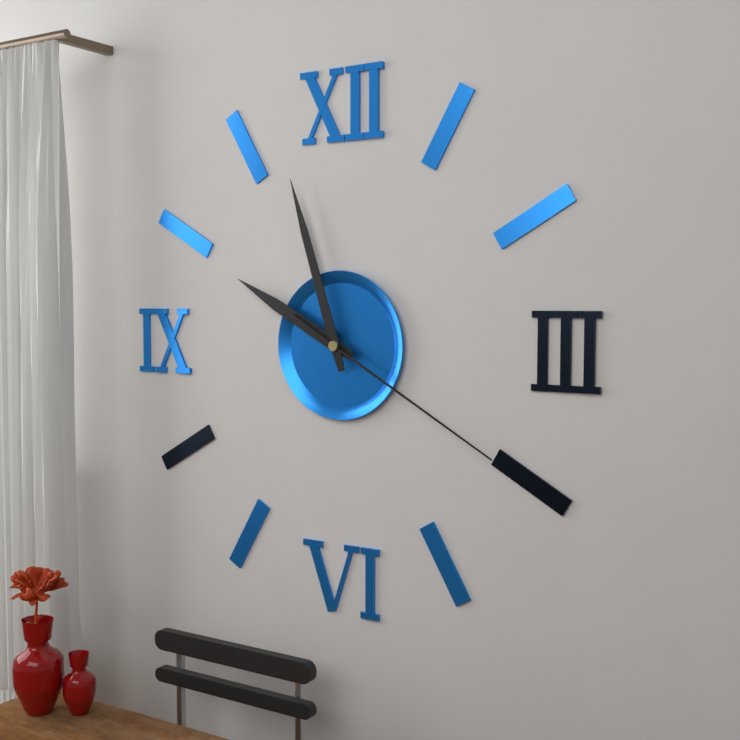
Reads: 9.57.20
